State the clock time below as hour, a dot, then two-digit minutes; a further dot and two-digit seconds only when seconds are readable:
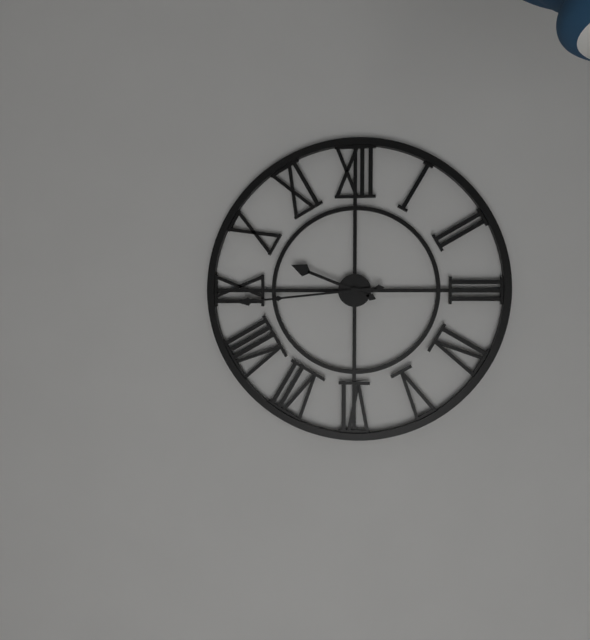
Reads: 9.44
